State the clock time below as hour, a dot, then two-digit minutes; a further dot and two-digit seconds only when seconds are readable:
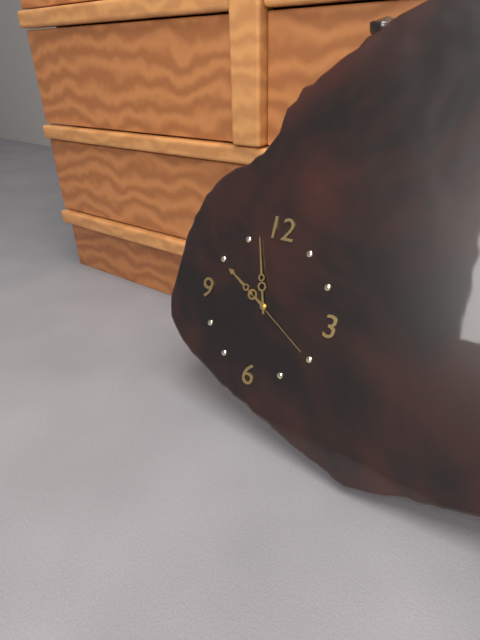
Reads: 9.57.20
